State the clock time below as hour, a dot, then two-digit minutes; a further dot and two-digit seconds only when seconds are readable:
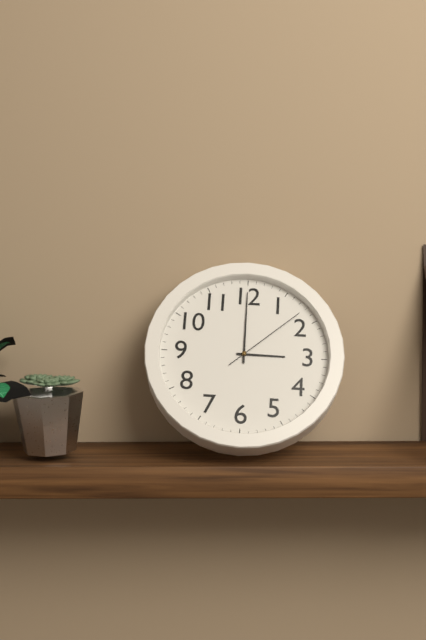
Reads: 3.00.08
